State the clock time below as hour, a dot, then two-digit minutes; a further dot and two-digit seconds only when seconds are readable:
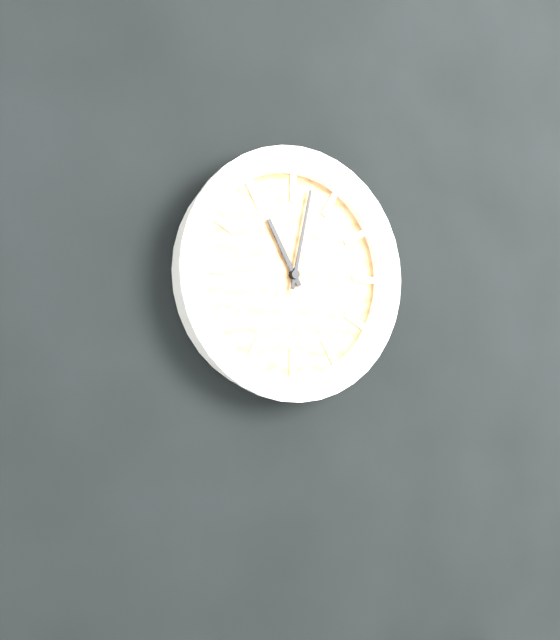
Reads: 11.02
